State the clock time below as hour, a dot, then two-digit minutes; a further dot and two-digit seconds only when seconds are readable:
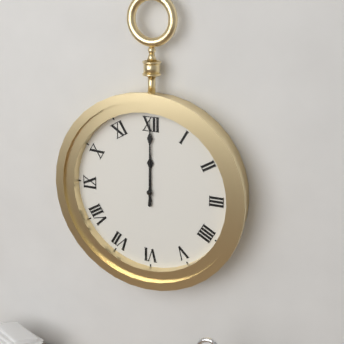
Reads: 12.00
